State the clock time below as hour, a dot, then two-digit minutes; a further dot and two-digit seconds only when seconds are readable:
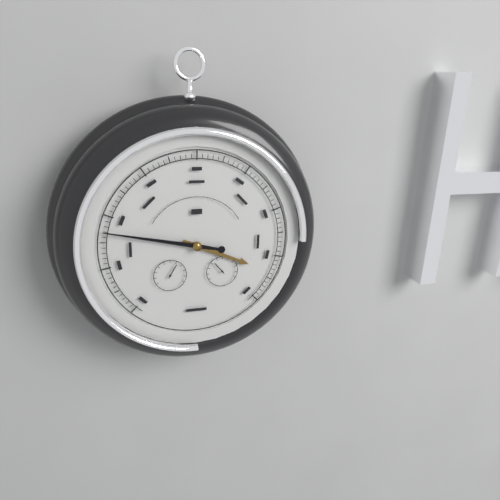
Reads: 3.47
